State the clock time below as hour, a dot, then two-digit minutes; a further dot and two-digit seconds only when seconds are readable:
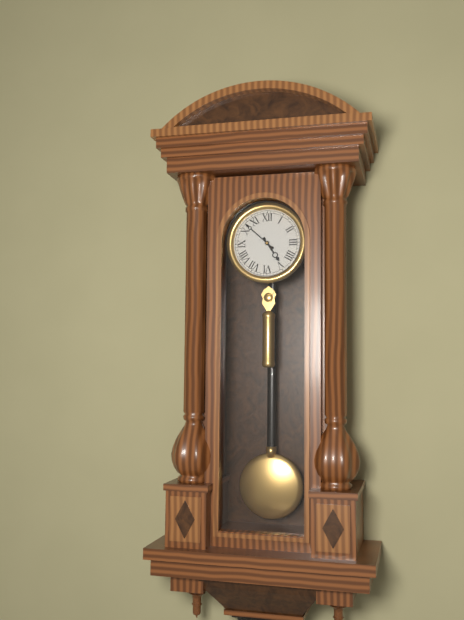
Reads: 4.52
